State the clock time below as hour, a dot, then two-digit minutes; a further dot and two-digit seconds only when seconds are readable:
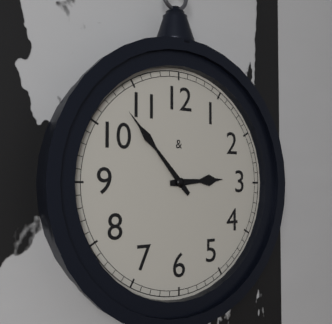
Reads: 2.53
